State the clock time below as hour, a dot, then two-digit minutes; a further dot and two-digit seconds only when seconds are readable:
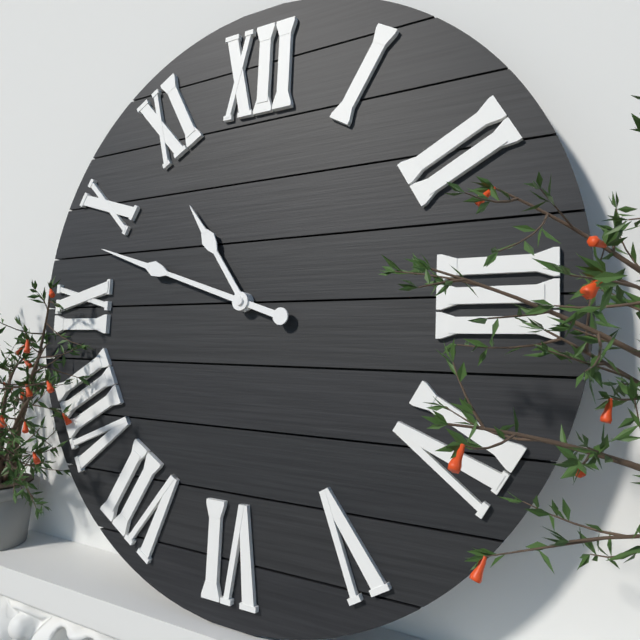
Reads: 10.48
